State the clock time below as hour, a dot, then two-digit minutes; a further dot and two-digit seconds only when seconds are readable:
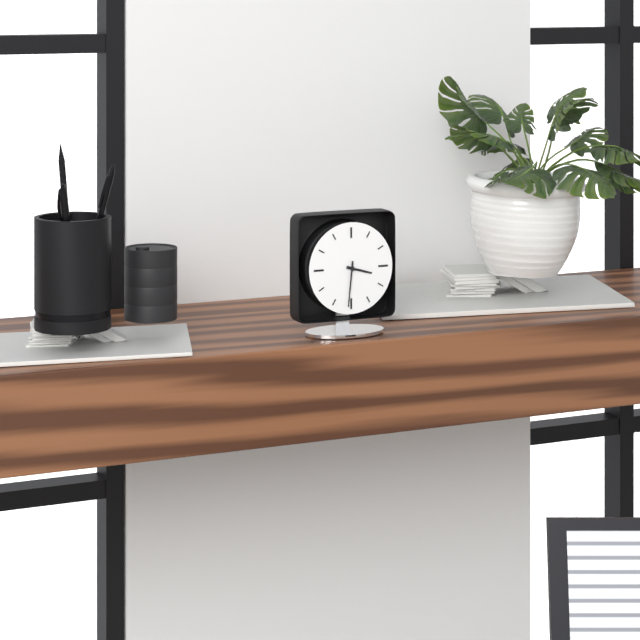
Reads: 3.31
